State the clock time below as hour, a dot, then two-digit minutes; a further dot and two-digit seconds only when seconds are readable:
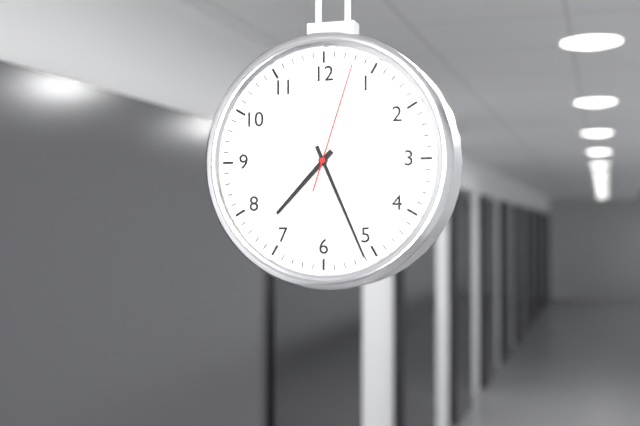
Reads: 7.26.03
